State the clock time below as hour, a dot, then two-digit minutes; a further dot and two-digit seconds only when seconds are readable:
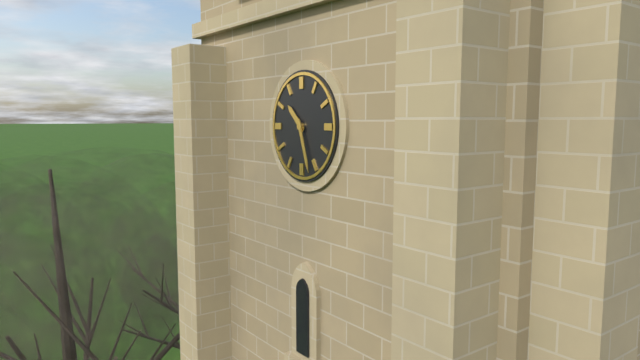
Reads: 10.27
